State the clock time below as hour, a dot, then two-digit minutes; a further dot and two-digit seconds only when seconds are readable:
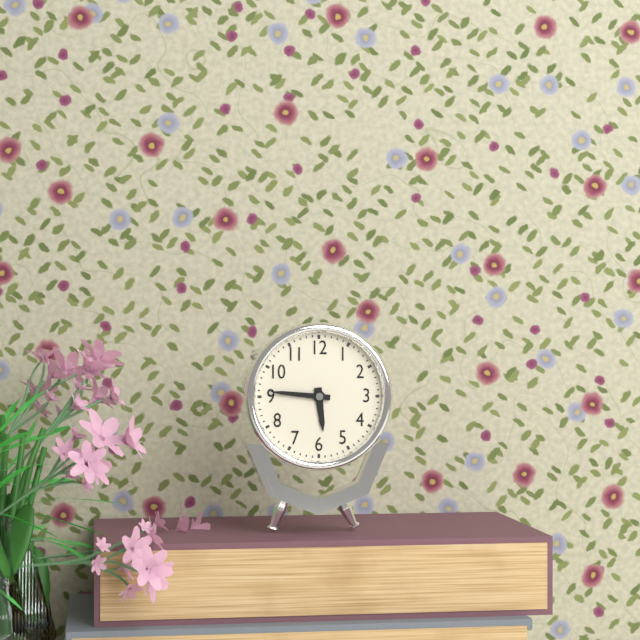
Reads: 5.46
